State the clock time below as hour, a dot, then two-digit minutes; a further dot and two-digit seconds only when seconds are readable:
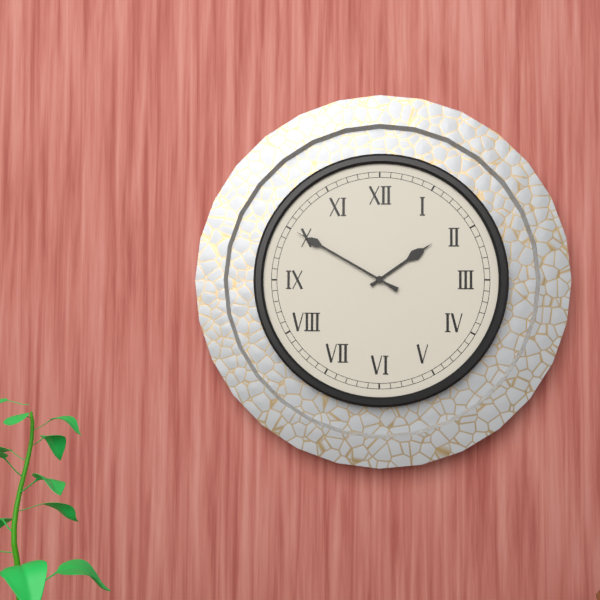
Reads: 1.50
